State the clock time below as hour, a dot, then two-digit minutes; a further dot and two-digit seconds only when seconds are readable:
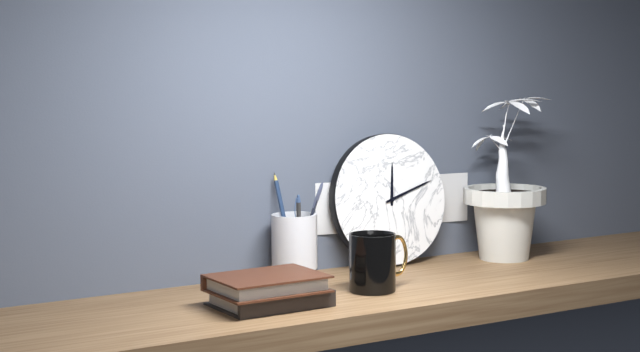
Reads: 12.12
